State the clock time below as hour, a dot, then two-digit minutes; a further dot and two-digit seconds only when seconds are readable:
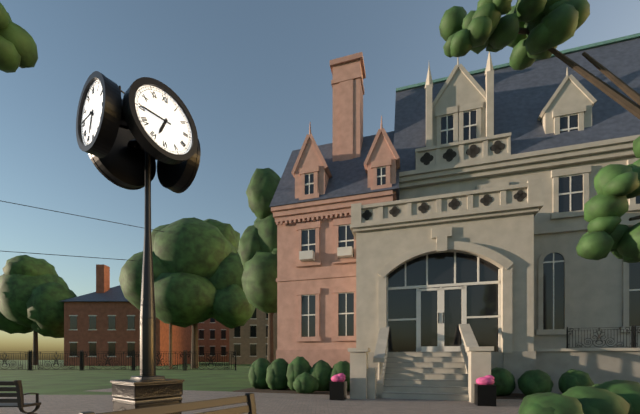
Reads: 6.45
